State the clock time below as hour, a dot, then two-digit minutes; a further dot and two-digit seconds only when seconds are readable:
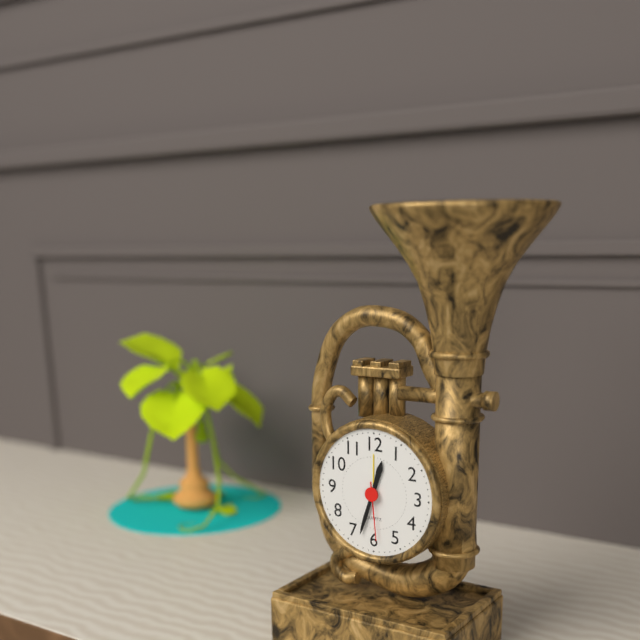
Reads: 12.33.29
